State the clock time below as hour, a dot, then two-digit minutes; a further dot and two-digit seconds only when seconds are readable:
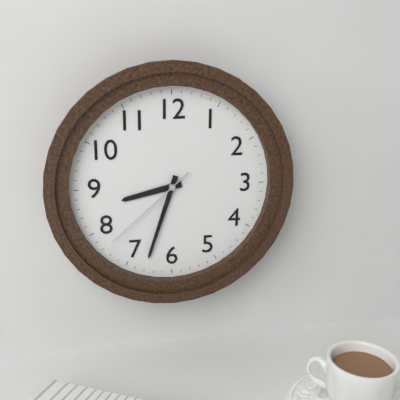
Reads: 8.33.38
